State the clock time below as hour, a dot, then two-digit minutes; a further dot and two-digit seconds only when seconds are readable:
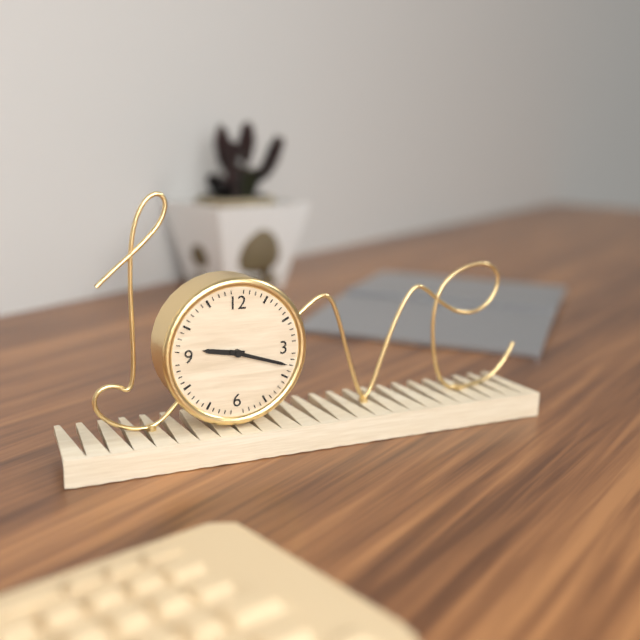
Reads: 9.18
